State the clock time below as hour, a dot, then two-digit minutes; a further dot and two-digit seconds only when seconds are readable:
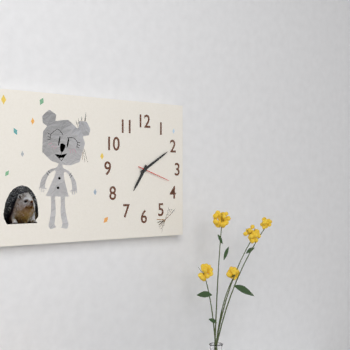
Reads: 7.10
